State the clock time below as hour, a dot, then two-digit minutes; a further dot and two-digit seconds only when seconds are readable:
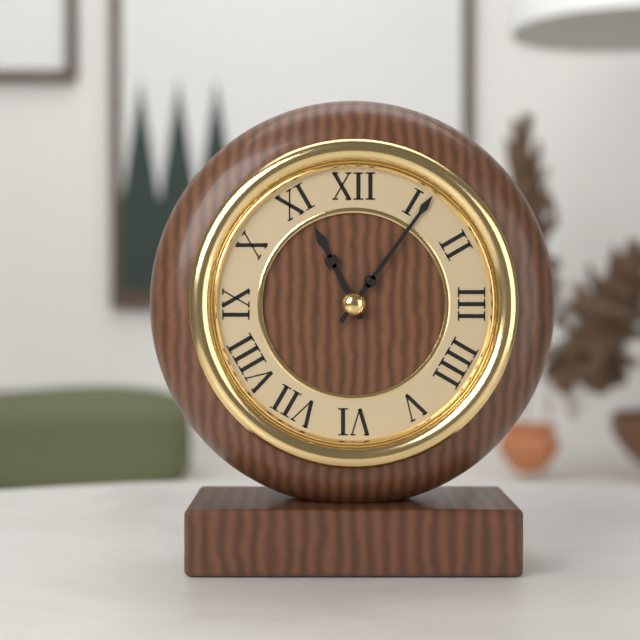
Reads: 11.06
